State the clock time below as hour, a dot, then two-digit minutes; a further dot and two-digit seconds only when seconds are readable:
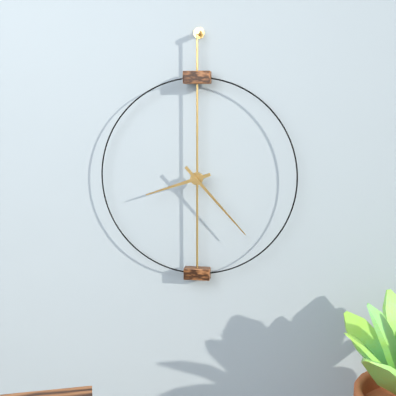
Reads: 8.23
